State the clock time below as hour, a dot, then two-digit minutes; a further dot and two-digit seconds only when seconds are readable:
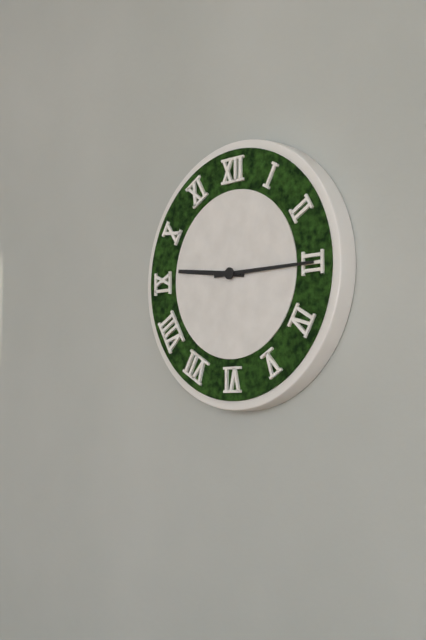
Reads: 9.15
